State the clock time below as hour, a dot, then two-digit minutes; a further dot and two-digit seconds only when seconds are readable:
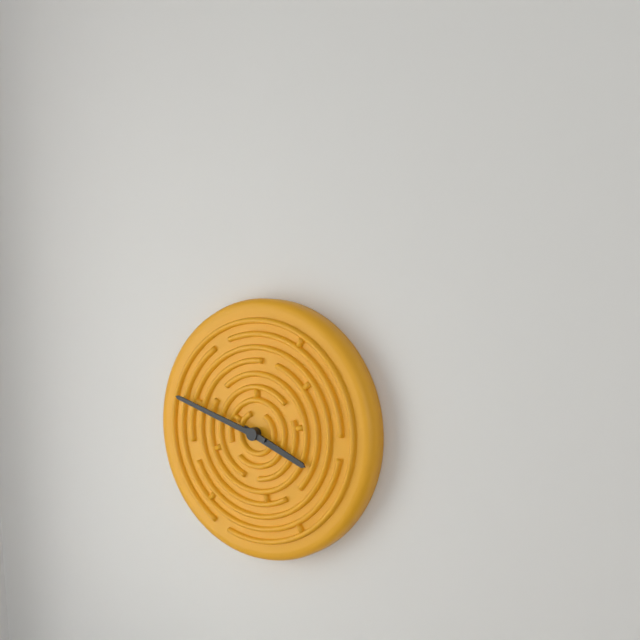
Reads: 3.48
